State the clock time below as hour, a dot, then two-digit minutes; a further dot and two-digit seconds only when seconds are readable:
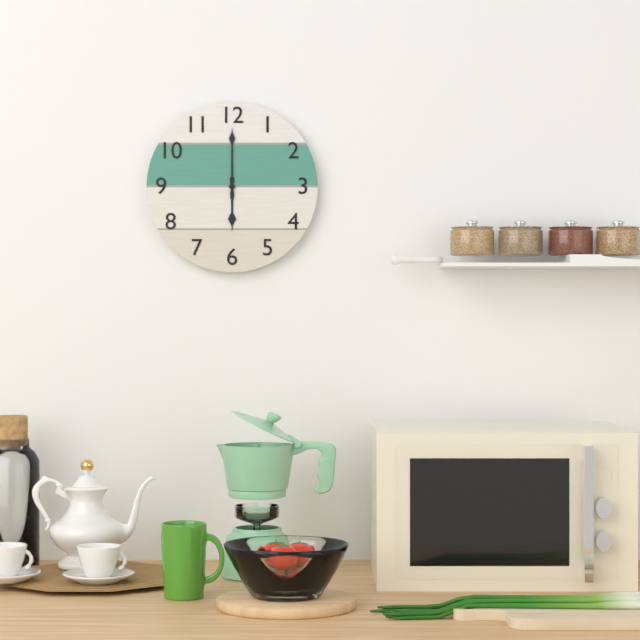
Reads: 6.00
